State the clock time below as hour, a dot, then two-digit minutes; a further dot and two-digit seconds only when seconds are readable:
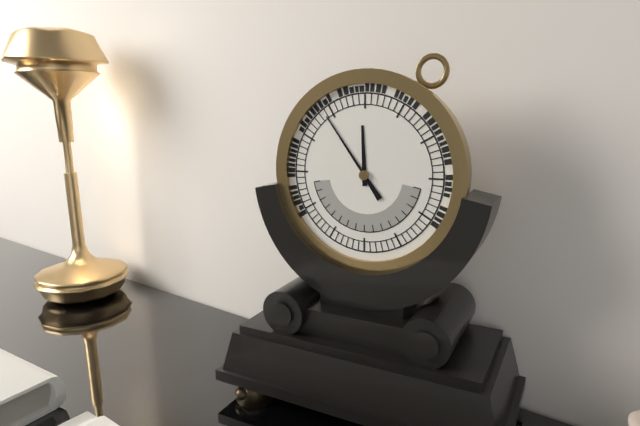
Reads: 11.54
